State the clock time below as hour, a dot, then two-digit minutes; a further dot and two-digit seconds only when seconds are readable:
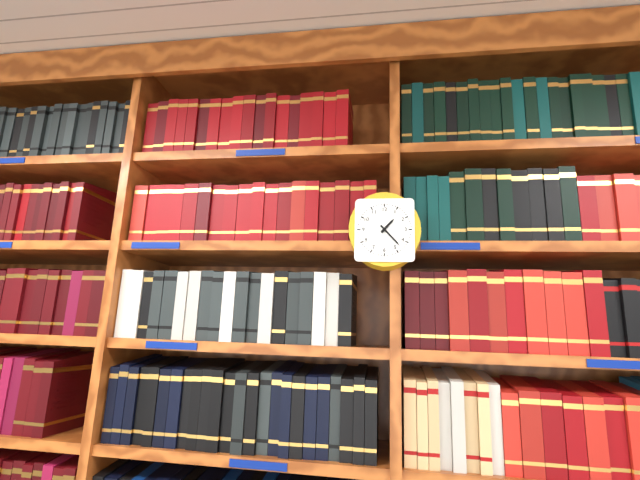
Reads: 1.23
